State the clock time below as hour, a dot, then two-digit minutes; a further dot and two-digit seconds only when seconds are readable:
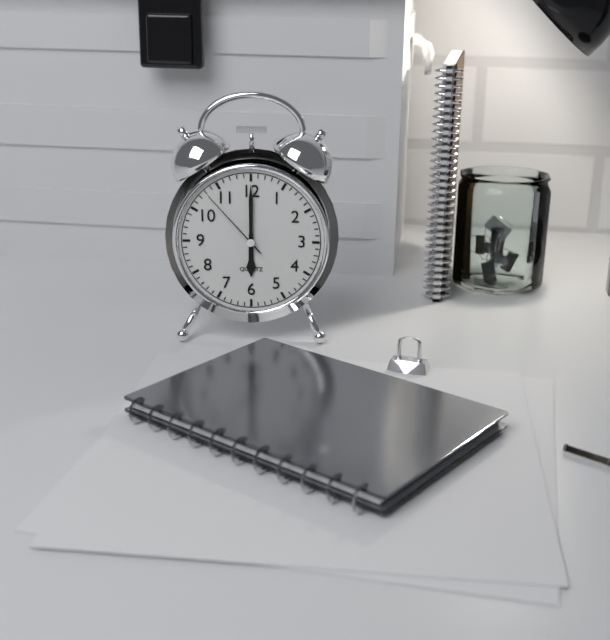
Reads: 6.00.53
